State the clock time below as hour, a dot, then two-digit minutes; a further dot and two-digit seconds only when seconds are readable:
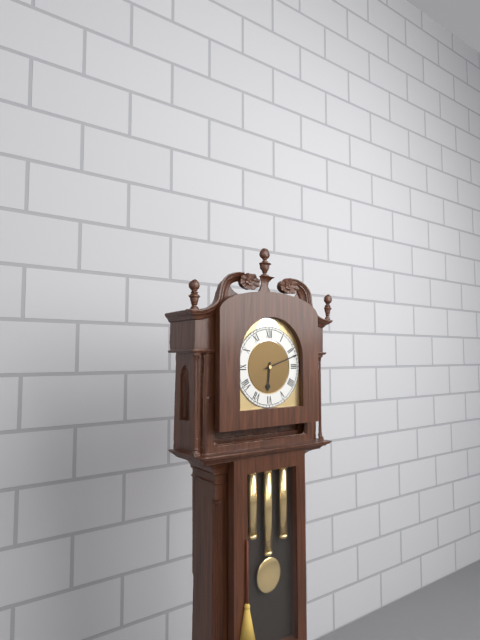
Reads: 6.12
